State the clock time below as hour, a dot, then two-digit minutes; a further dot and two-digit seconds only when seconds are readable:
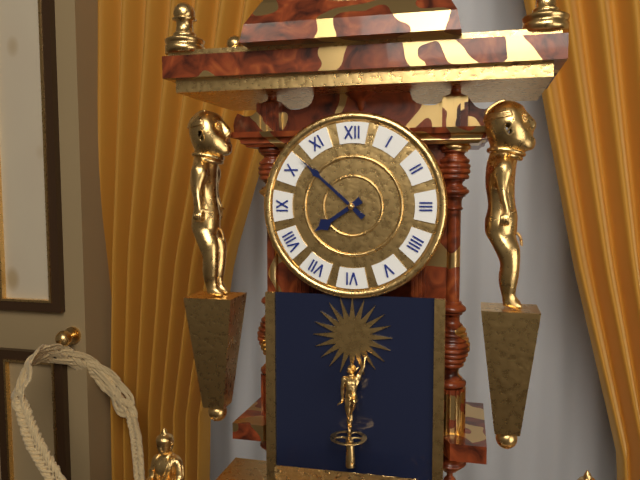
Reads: 7.52
